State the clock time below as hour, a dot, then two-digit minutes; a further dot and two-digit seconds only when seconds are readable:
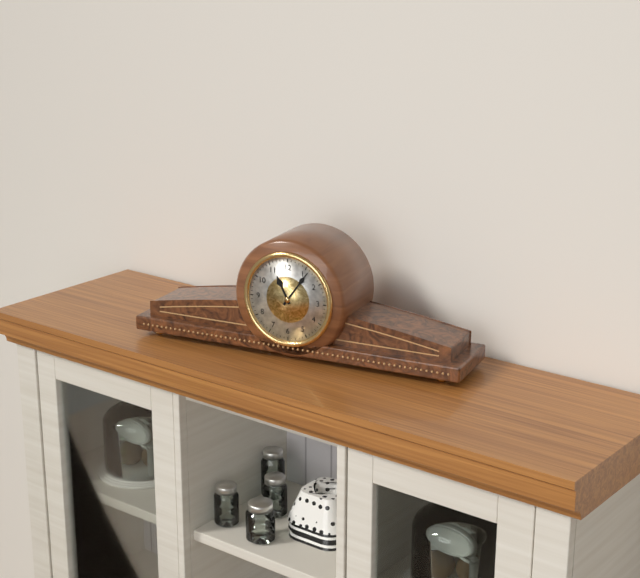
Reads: 11.06
